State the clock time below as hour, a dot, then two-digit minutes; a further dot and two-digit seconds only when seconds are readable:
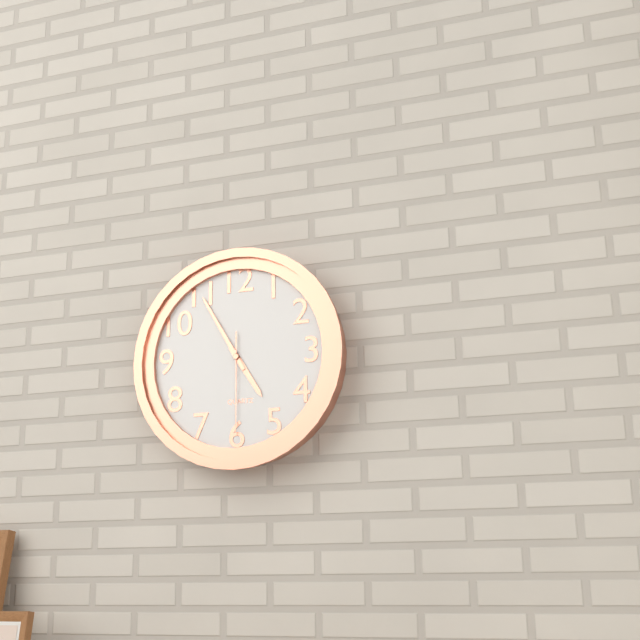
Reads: 4.55.30
